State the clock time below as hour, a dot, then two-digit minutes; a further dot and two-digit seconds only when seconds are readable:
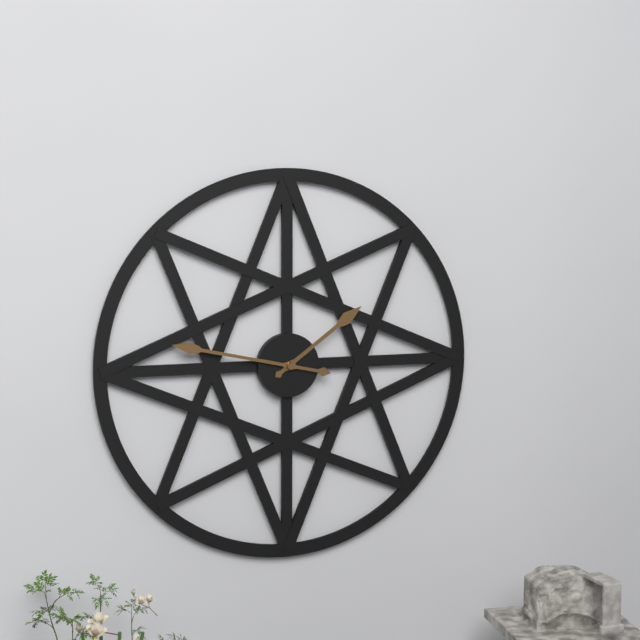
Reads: 1.47
